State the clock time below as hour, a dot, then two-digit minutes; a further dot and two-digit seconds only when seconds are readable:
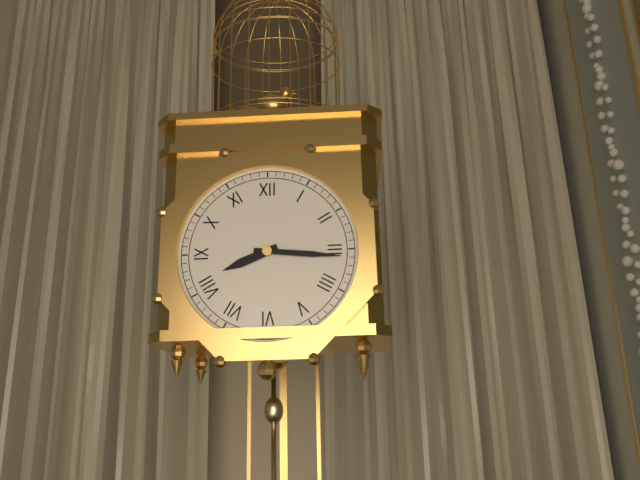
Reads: 8.16
